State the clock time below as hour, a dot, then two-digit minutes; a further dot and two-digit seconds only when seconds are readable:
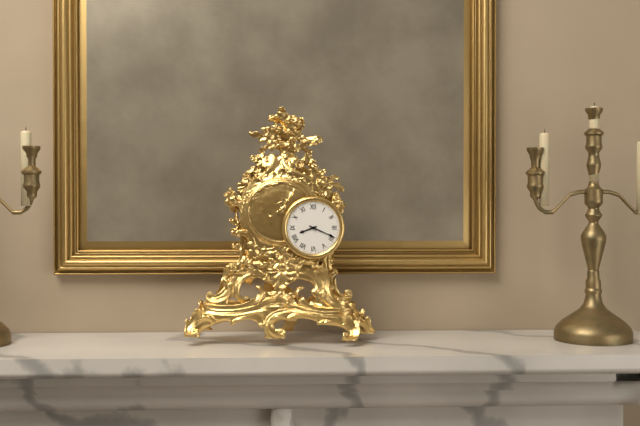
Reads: 8.19
